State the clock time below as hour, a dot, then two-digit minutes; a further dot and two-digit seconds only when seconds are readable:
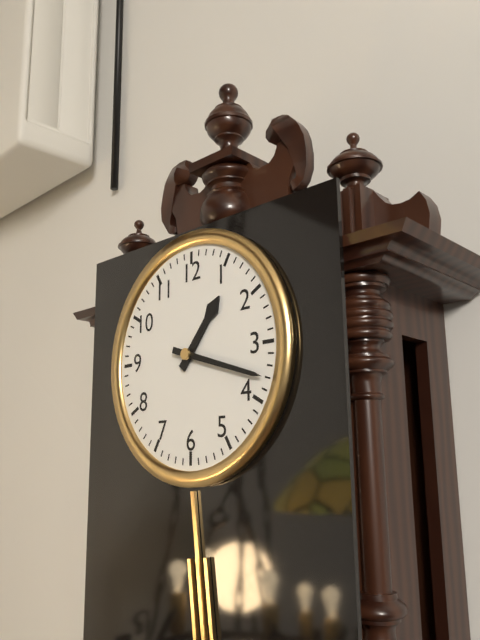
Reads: 1.18
